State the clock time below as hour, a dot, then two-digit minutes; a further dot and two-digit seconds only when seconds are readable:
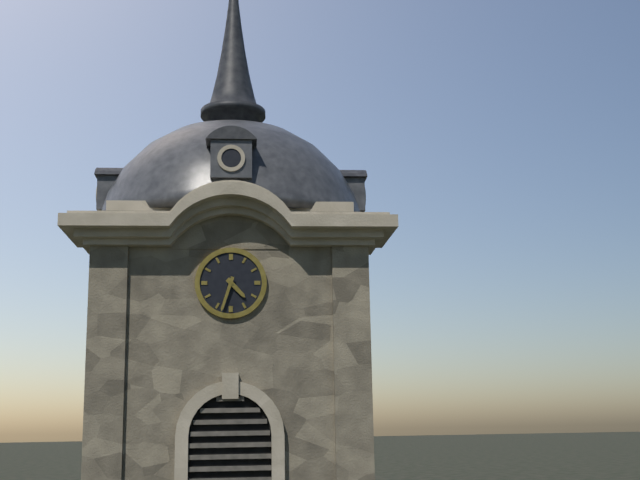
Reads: 4.33
